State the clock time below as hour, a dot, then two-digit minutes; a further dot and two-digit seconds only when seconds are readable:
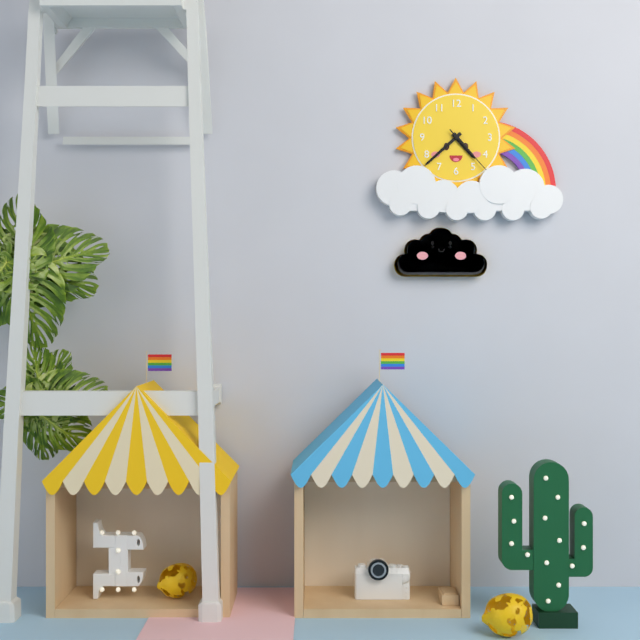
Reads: 4.38.23
